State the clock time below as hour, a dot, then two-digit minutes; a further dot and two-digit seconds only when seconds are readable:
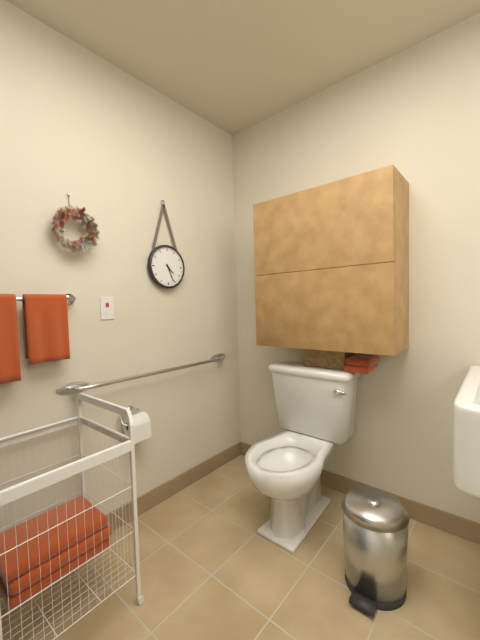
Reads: 4.26
